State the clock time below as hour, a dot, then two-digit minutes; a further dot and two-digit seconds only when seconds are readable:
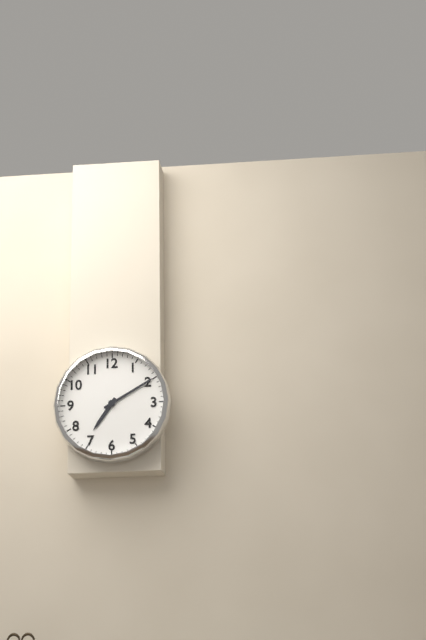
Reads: 7.10
